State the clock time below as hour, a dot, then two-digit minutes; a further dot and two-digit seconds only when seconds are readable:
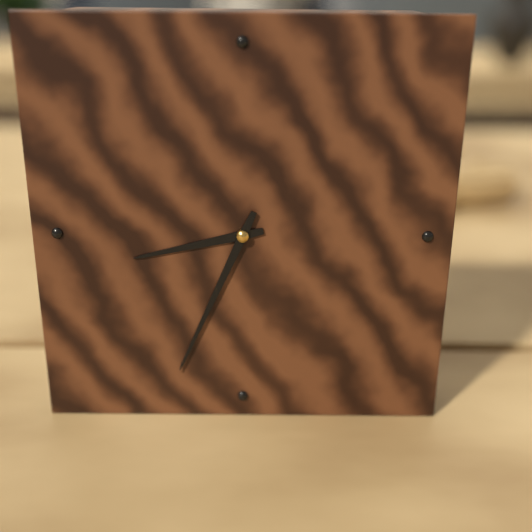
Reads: 8.34
